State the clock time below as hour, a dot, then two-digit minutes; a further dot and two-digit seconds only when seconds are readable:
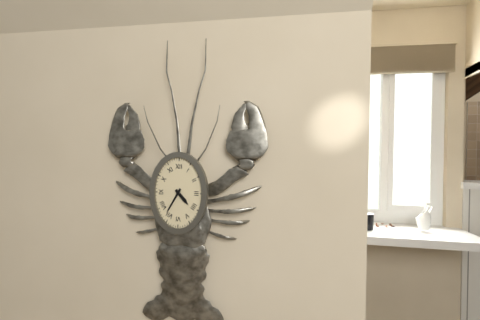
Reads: 4.35
